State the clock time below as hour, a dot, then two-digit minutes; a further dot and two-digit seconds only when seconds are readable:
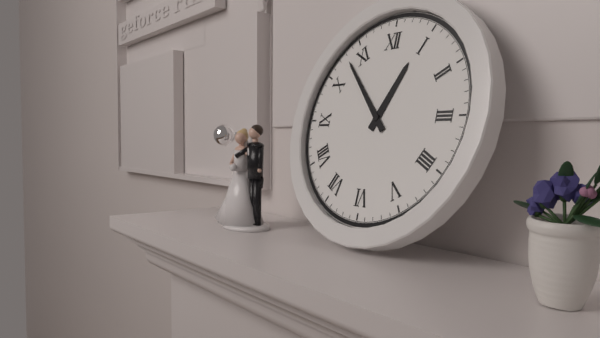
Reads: 12.53
